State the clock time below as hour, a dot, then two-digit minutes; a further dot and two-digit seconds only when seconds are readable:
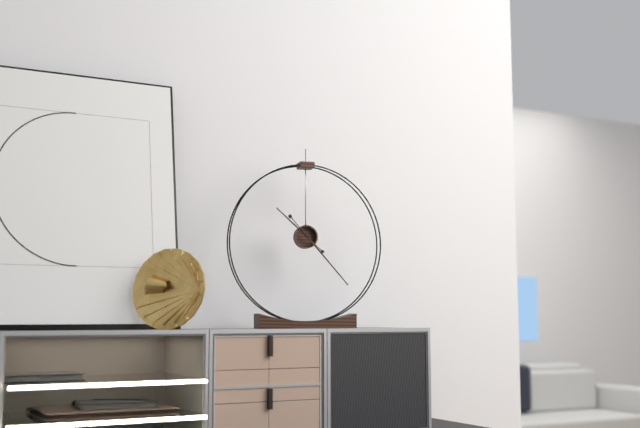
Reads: 10.23
